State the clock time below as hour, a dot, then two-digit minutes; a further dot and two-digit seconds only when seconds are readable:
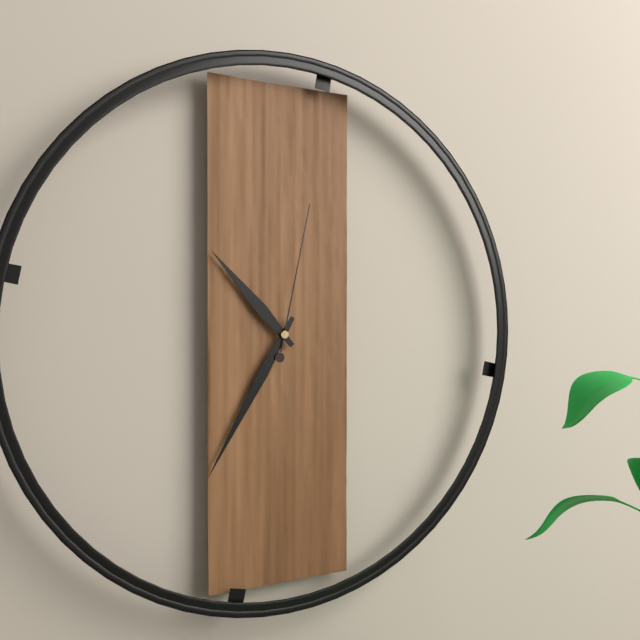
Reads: 10.35.02
